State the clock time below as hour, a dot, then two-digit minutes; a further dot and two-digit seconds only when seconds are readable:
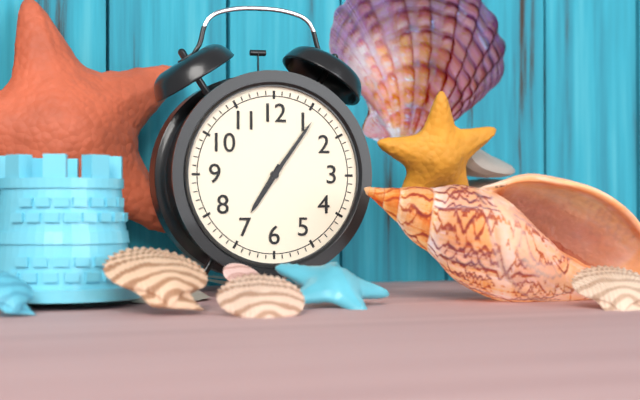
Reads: 7.06
